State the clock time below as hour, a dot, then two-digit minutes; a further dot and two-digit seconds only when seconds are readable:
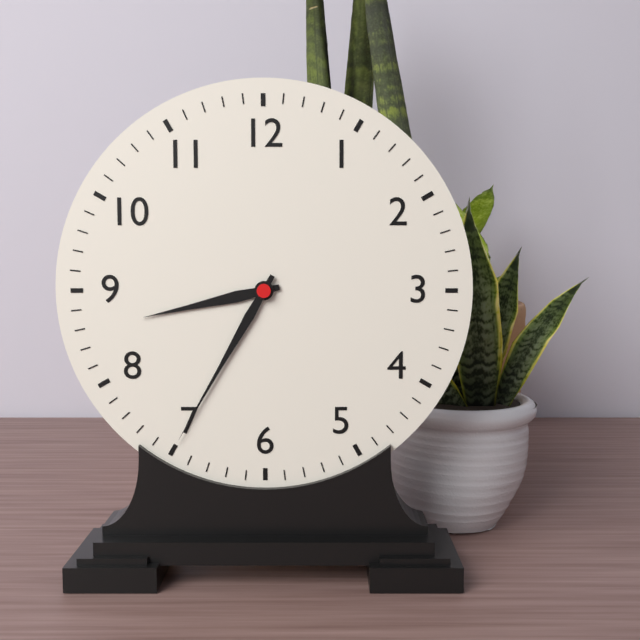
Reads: 8.35
